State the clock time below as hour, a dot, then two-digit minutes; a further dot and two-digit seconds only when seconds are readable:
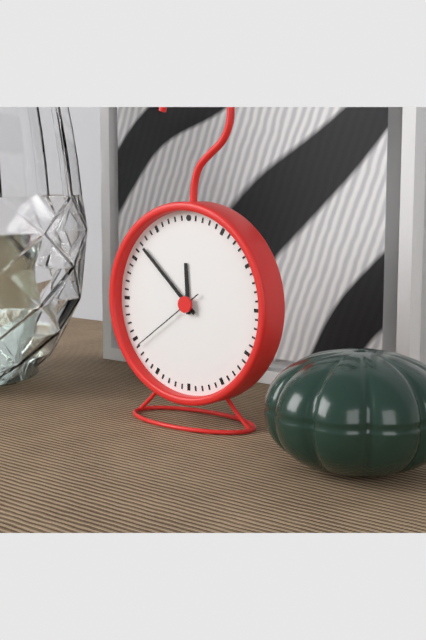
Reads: 11.52.39
